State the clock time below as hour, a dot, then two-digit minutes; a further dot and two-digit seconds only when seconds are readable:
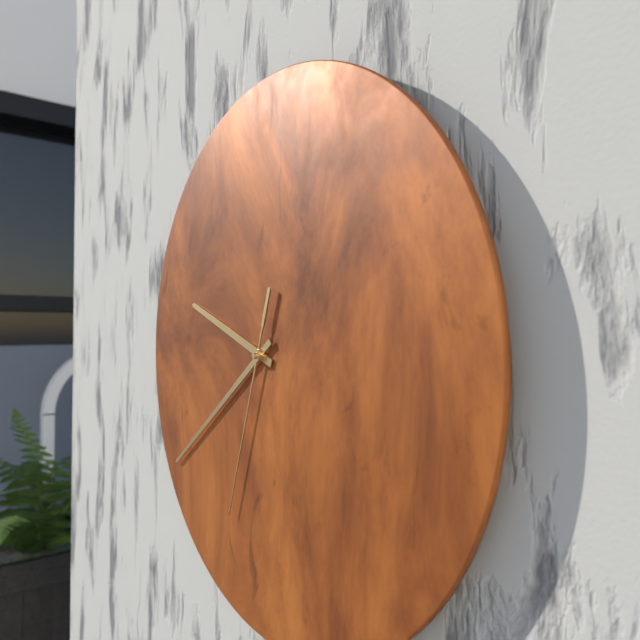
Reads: 9.39.33
